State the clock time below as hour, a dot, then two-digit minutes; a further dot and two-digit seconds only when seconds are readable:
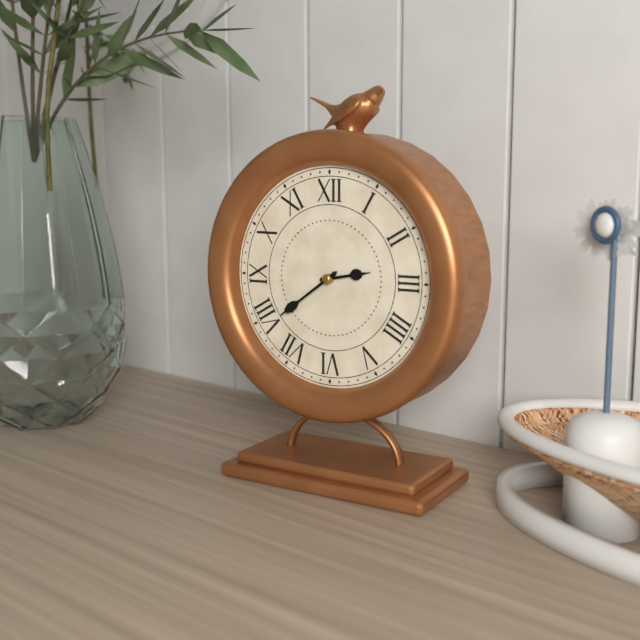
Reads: 2.39
